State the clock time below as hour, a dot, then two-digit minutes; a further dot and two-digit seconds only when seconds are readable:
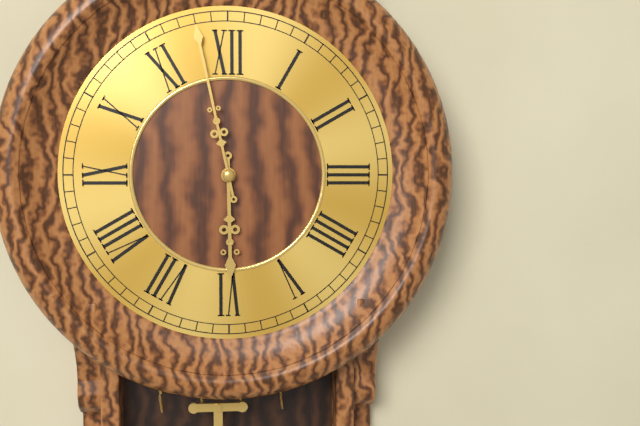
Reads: 5.58
